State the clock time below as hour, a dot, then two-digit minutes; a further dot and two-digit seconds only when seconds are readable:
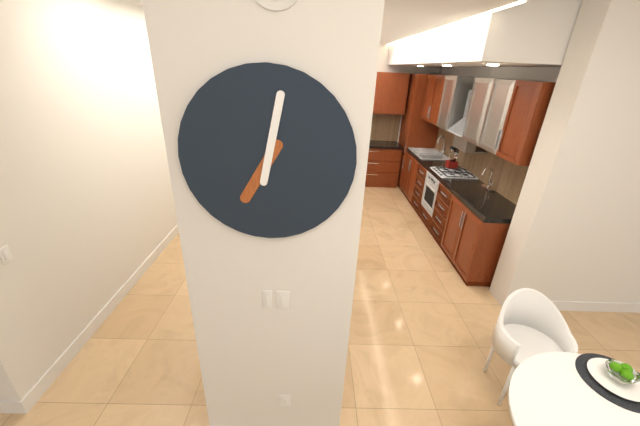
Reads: 7.02
